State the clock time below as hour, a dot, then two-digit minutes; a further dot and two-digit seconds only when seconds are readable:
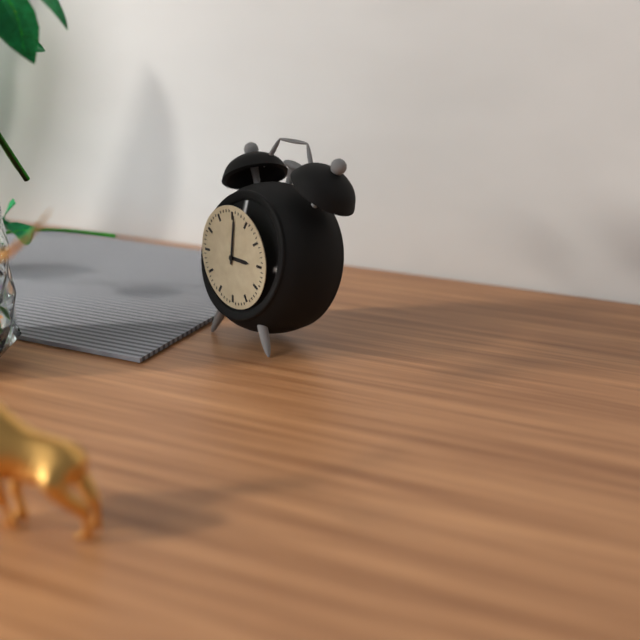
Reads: 3.01
